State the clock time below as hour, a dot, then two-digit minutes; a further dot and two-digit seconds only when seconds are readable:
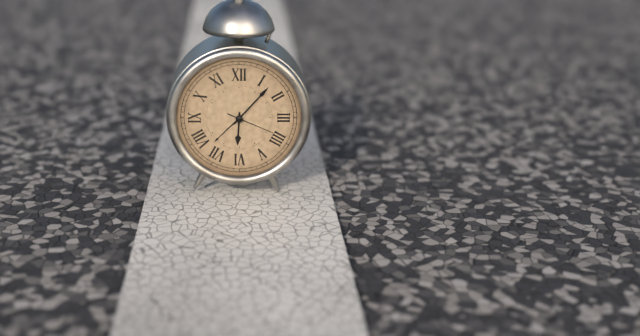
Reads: 6.07
